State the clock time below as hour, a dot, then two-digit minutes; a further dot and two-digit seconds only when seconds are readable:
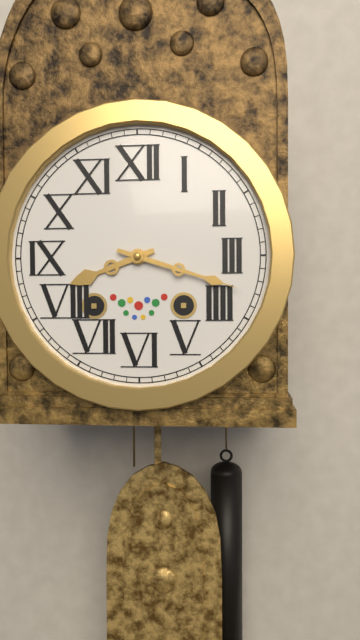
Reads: 8.18
